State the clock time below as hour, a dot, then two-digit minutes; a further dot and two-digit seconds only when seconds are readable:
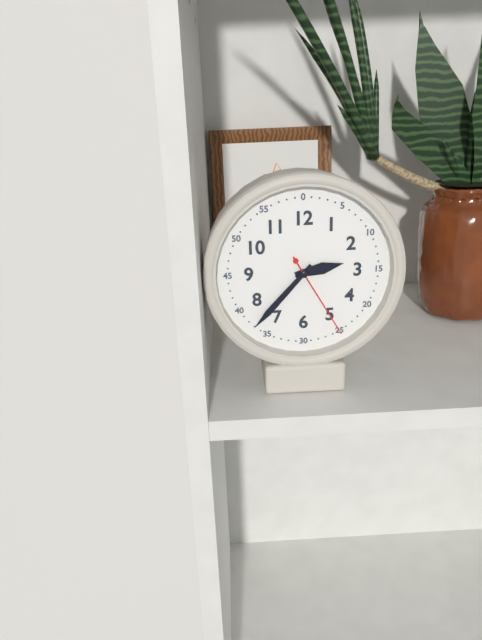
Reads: 2.37.25
